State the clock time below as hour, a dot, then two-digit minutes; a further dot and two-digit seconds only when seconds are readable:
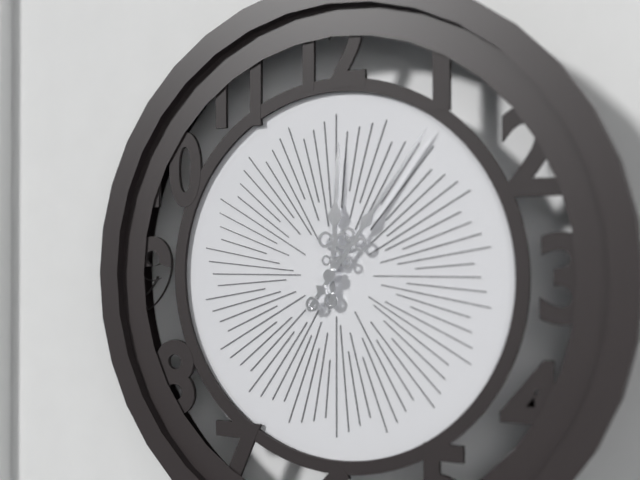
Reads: 12.06
